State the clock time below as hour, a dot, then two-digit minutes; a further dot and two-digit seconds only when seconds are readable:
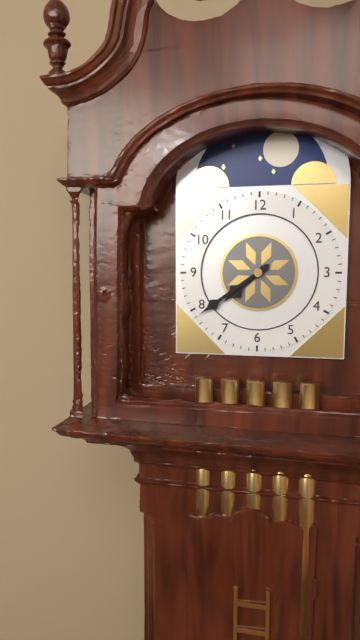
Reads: 7.39
